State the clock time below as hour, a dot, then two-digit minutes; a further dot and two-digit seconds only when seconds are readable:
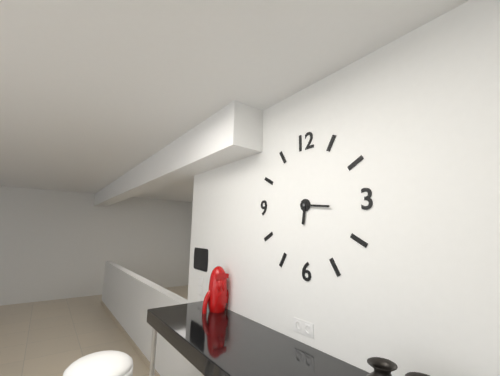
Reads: 6.16
